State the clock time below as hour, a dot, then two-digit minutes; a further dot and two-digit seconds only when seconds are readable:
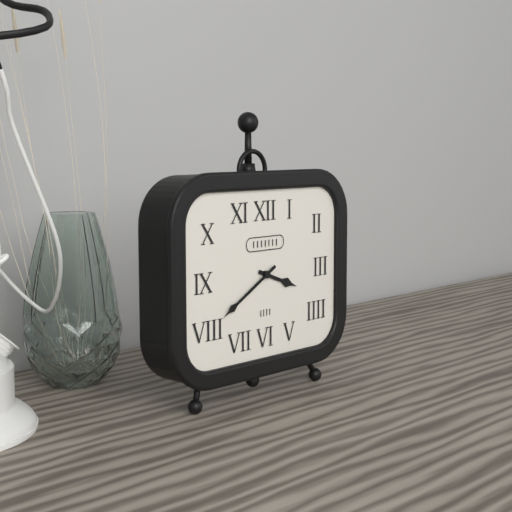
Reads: 3.40
